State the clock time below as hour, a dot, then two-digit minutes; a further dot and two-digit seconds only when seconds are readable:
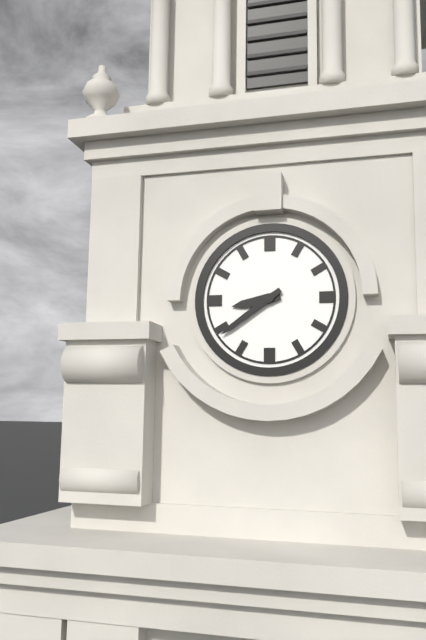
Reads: 8.39
